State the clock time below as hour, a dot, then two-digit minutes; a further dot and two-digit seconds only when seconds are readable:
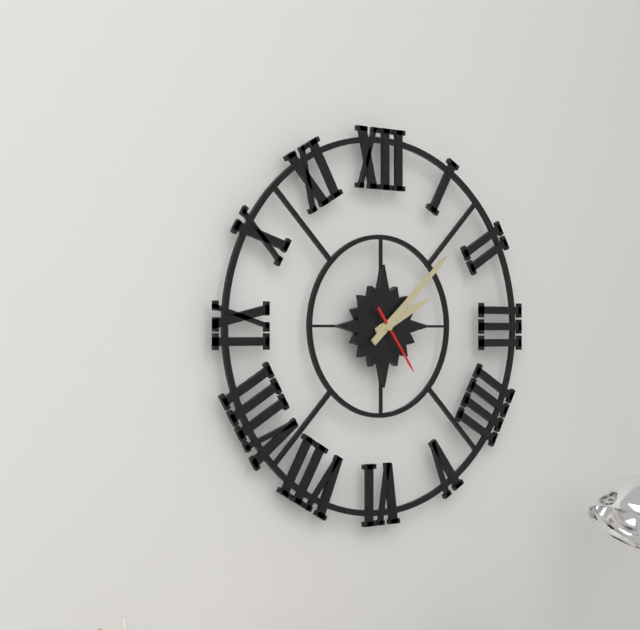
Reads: 2.08.24
